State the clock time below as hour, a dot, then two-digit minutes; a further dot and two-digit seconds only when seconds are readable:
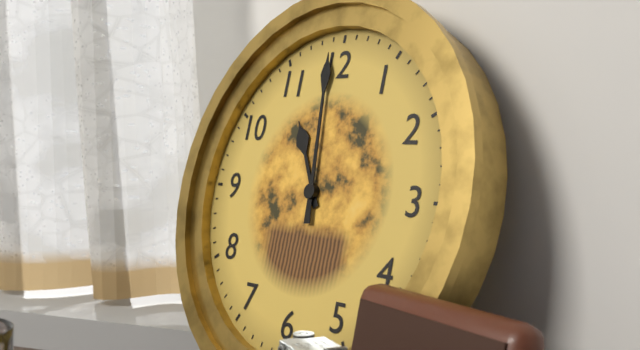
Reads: 10.59
